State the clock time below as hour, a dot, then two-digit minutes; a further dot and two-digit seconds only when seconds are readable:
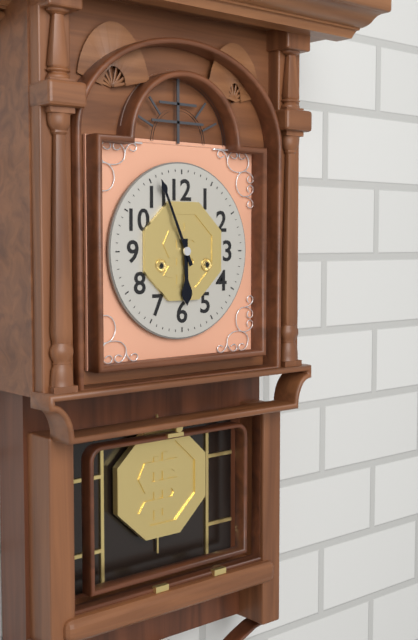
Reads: 5.56
